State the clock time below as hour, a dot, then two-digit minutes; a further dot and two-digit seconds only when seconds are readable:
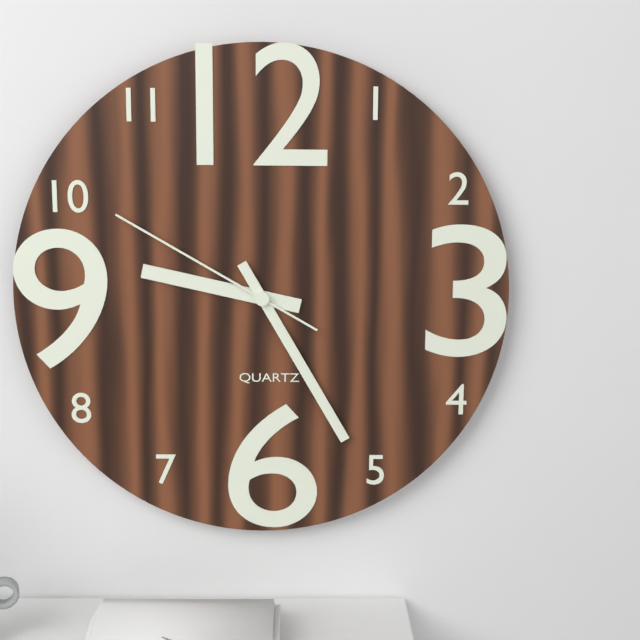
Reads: 9.25.50
